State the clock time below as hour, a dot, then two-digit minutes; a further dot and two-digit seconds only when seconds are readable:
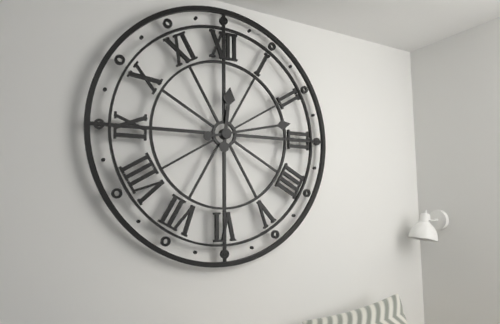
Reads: 12.13
